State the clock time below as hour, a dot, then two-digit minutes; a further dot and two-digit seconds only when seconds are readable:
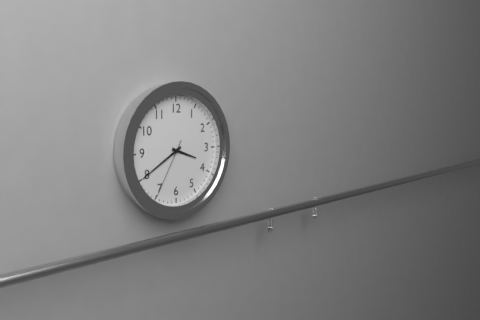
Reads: 3.40.35
